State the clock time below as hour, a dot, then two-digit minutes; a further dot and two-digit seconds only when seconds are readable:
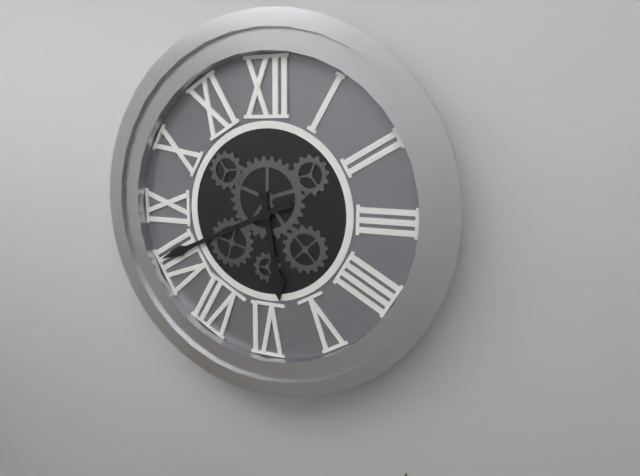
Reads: 5.41
